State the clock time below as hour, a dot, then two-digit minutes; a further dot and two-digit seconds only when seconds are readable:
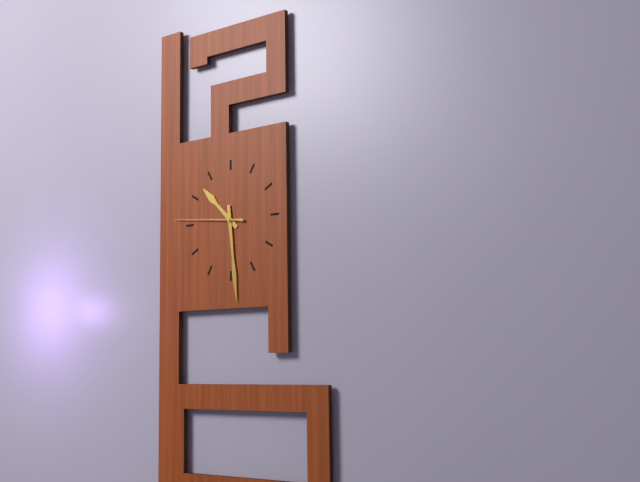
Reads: 10.29.46
